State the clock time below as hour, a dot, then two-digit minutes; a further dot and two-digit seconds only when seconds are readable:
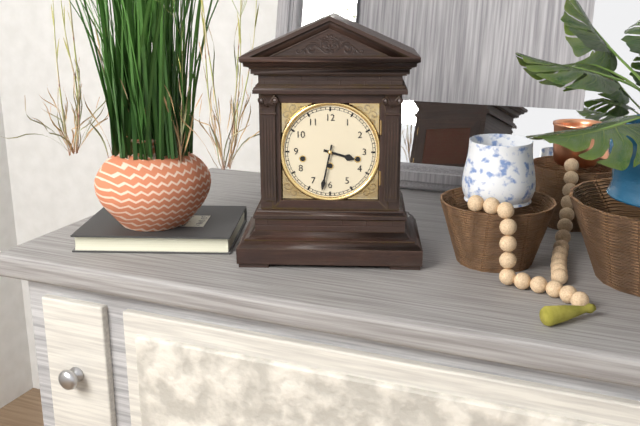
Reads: 3.32
